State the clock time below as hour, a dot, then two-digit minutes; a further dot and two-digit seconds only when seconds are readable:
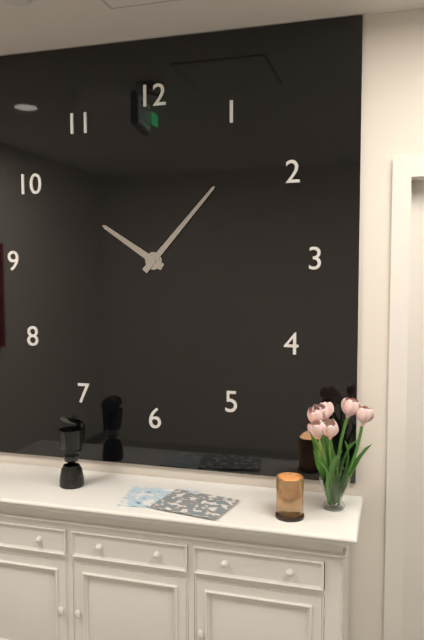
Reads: 10.07
